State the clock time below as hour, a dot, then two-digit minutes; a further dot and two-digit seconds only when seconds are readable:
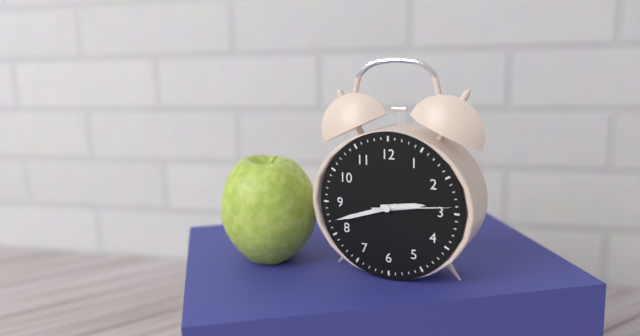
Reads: 2.42.14
